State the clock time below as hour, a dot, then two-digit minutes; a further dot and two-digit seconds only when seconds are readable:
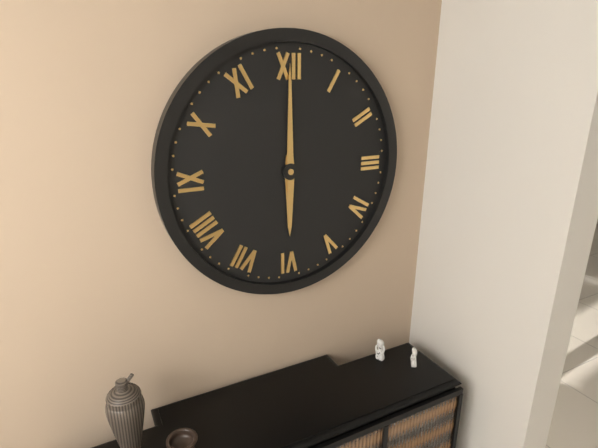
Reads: 6.00
